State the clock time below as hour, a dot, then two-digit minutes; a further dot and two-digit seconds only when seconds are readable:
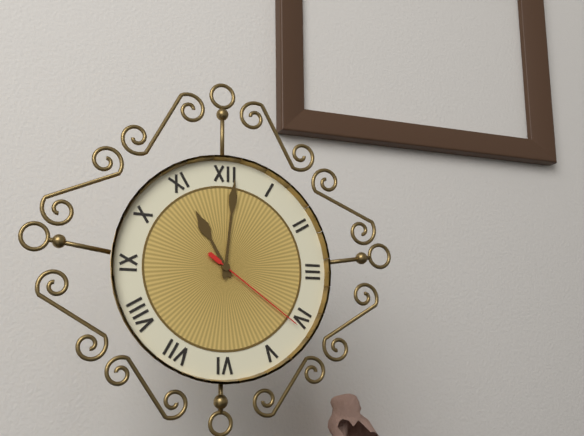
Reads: 11.01.21
